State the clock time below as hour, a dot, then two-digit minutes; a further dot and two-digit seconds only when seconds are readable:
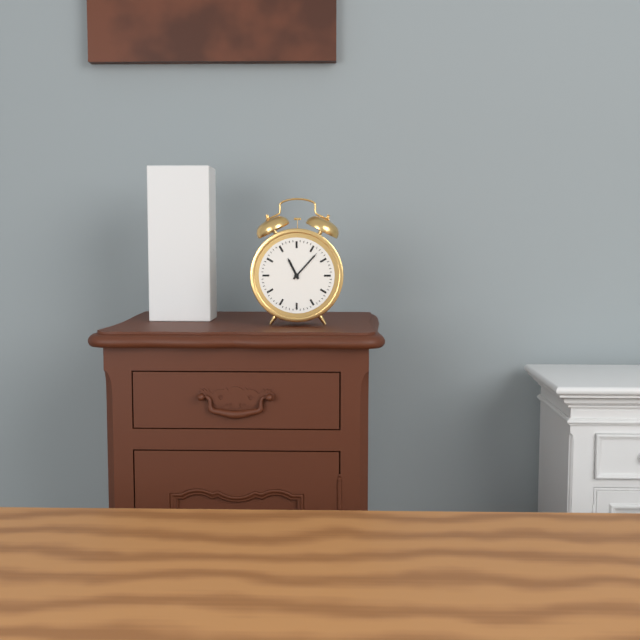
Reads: 11.07
